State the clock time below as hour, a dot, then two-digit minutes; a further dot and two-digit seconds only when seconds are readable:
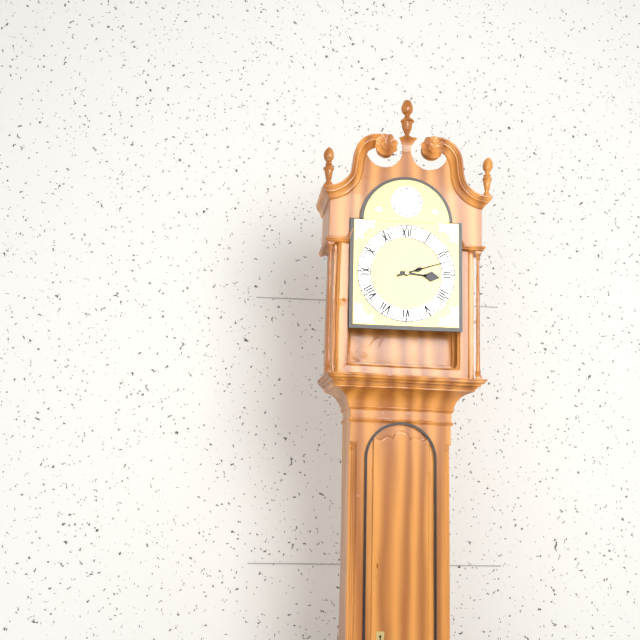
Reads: 3.12
